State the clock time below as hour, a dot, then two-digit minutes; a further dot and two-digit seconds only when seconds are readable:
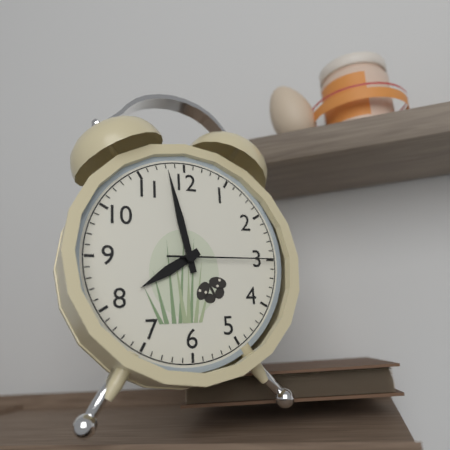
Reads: 7.58.15
